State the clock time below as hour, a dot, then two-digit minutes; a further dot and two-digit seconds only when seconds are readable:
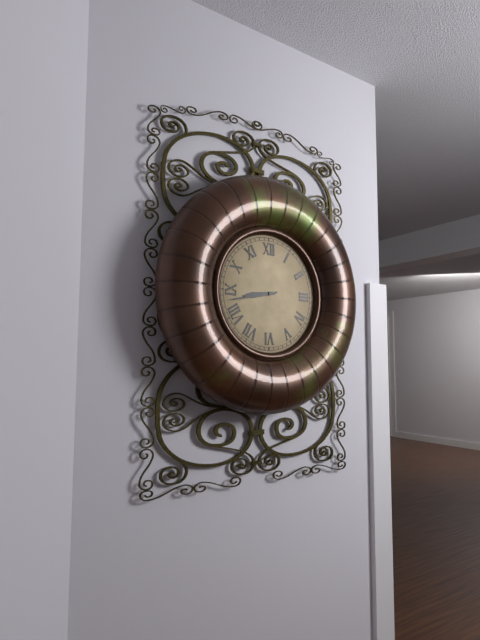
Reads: 8.43
